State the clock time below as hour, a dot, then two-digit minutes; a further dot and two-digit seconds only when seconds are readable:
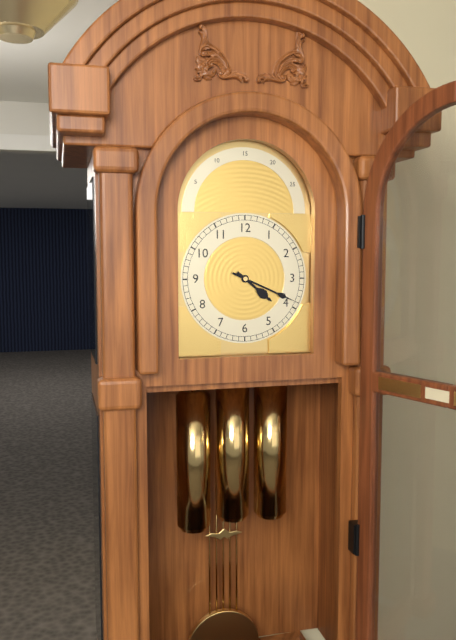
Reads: 4.19
